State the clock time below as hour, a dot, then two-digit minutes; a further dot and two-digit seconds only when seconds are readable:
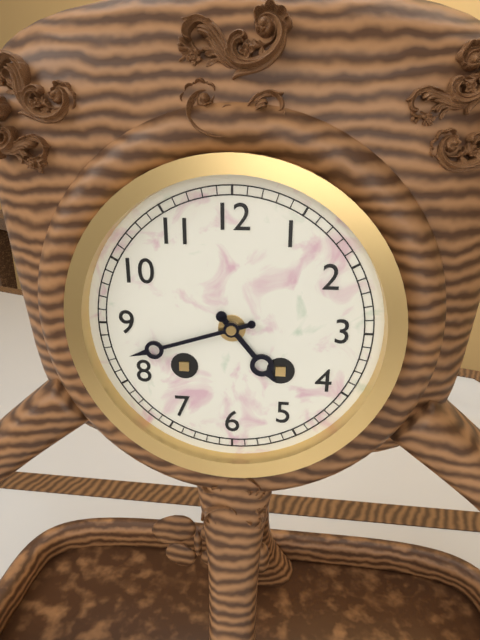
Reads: 4.42
